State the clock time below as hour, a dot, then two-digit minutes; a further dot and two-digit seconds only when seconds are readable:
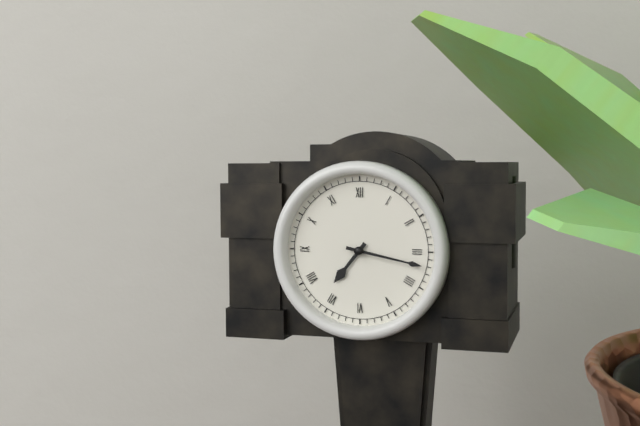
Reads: 7.17
